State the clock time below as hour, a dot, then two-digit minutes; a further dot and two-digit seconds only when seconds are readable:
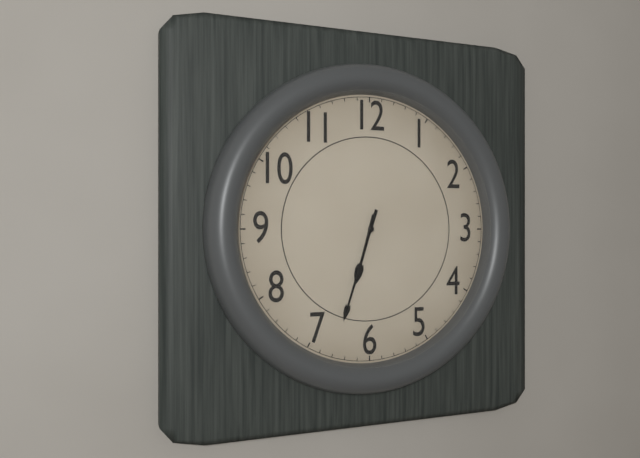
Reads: 6.33
